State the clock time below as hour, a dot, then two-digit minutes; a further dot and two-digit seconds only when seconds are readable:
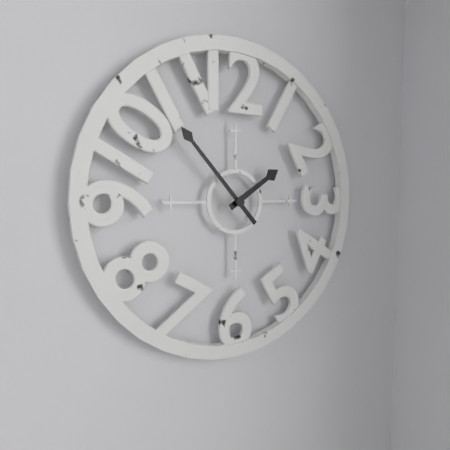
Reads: 1.53
